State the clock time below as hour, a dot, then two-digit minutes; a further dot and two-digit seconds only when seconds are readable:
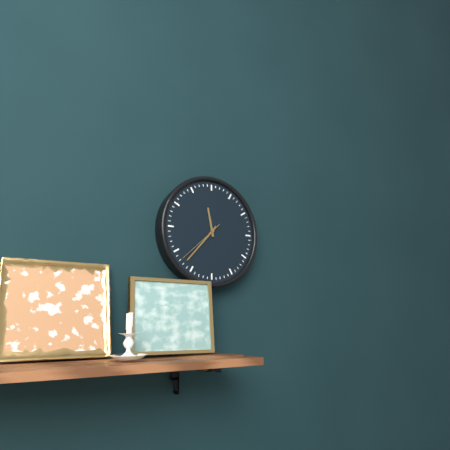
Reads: 11.37
